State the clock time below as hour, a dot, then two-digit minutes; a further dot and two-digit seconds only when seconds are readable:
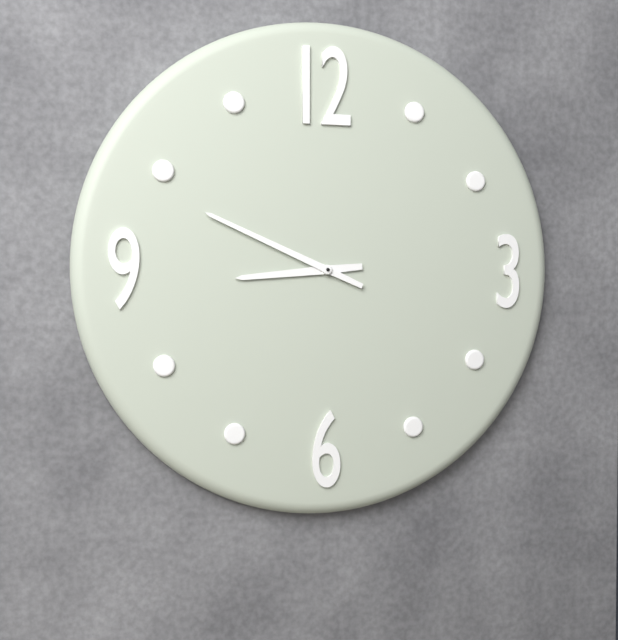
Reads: 8.49
